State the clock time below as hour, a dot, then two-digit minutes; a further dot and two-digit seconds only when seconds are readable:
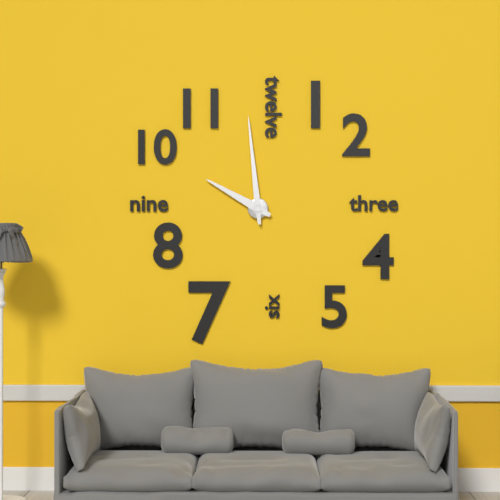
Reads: 9.59
